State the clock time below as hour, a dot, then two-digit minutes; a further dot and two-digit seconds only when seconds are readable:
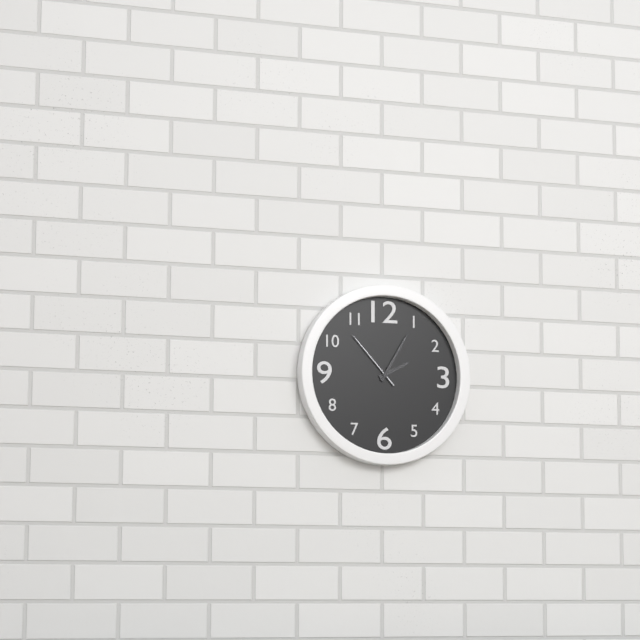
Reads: 2.05.53
